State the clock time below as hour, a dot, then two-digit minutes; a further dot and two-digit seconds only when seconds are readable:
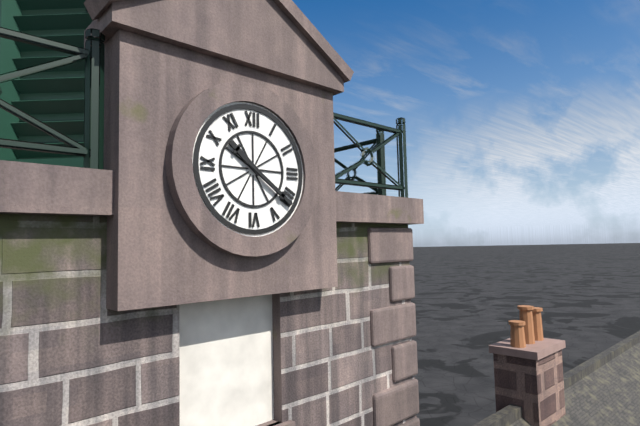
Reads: 10.21
